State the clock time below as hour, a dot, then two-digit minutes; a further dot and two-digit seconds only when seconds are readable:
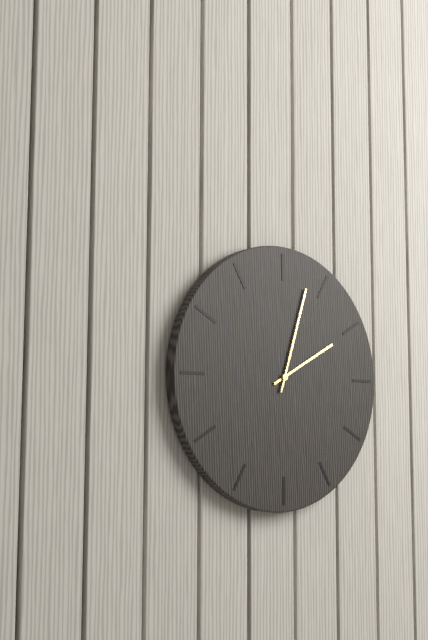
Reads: 2.03
